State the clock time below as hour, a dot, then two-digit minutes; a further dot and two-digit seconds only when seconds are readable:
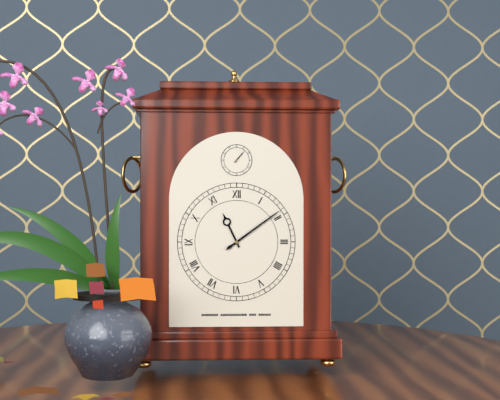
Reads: 11.09
